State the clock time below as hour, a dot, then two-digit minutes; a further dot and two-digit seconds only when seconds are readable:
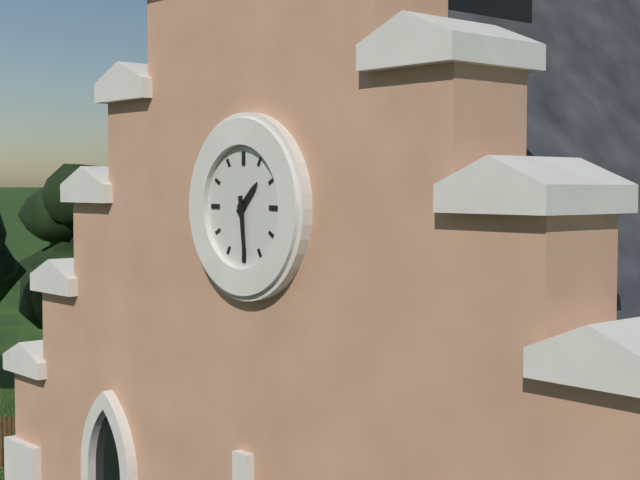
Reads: 1.29
